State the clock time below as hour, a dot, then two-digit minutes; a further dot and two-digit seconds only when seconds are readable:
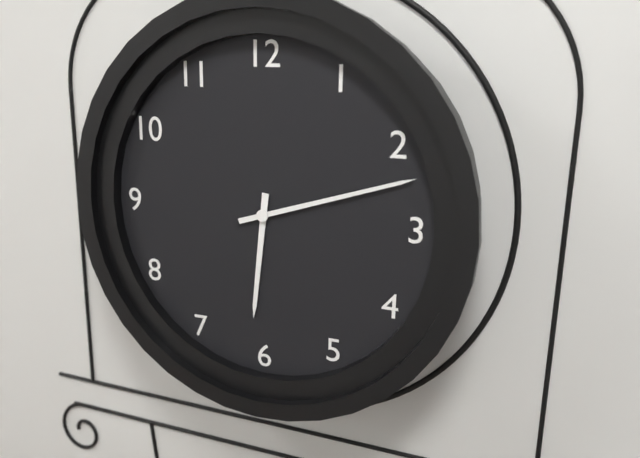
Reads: 6.12
